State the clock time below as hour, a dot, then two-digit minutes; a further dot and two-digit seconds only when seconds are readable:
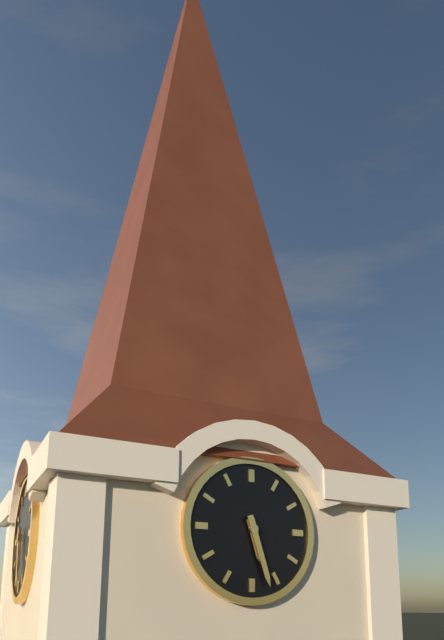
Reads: 5.27
